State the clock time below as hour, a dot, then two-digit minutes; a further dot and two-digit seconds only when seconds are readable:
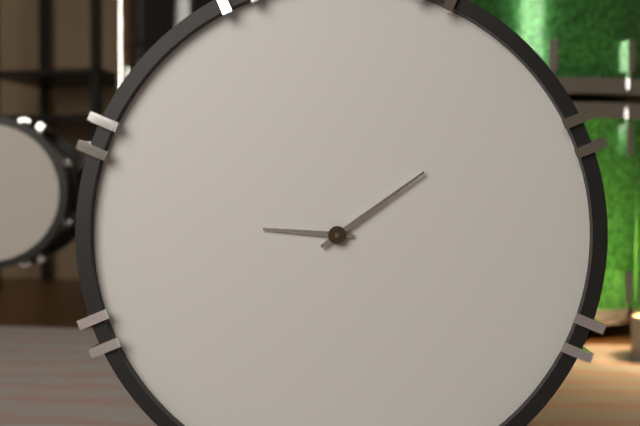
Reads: 9.09
